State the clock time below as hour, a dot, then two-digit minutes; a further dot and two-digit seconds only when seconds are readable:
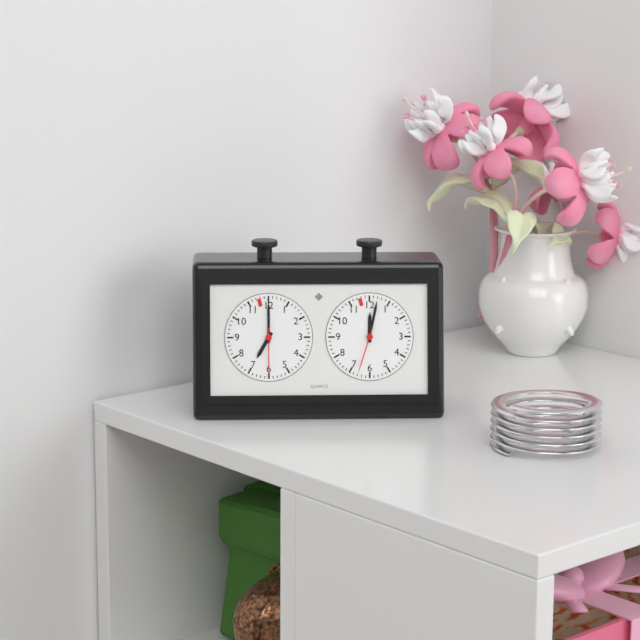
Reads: 7.00
